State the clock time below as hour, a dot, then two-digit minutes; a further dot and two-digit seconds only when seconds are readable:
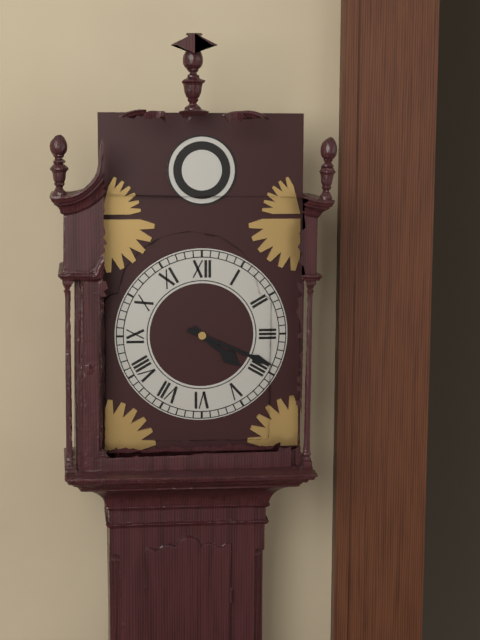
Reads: 4.19
